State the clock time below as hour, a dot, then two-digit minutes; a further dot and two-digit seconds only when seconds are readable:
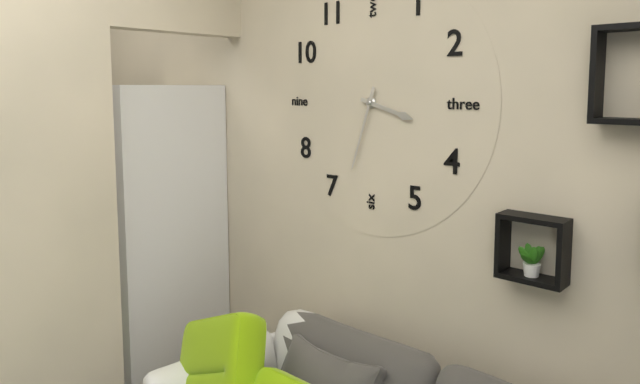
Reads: 3.33
